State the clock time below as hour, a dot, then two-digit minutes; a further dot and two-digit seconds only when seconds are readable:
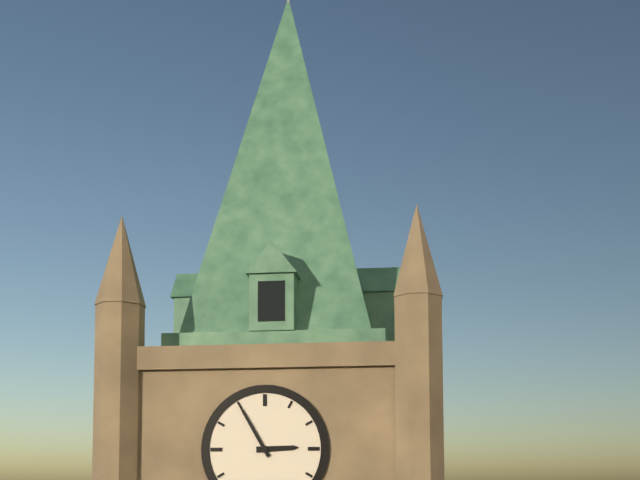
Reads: 2.55
